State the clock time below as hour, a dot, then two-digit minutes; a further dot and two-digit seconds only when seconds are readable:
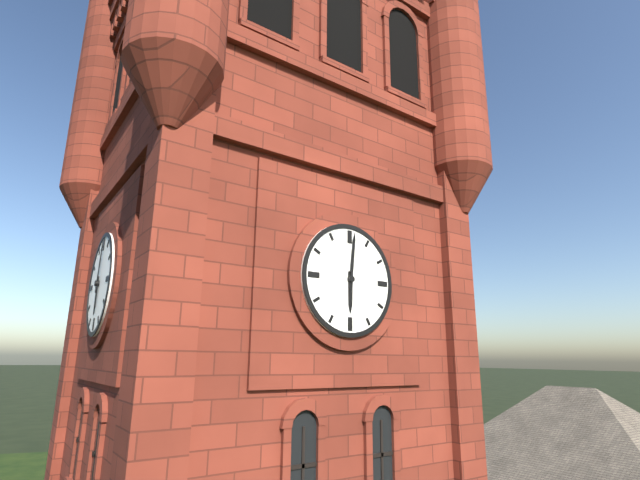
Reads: 6.01
